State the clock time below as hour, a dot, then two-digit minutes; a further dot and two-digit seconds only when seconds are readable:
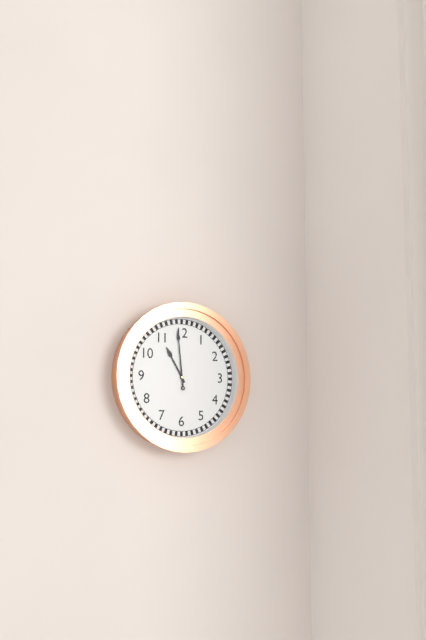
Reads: 10.59
